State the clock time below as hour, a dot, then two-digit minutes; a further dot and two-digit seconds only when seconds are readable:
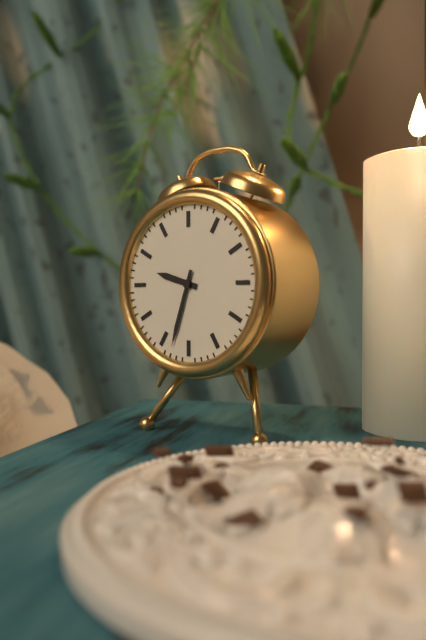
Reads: 9.33
